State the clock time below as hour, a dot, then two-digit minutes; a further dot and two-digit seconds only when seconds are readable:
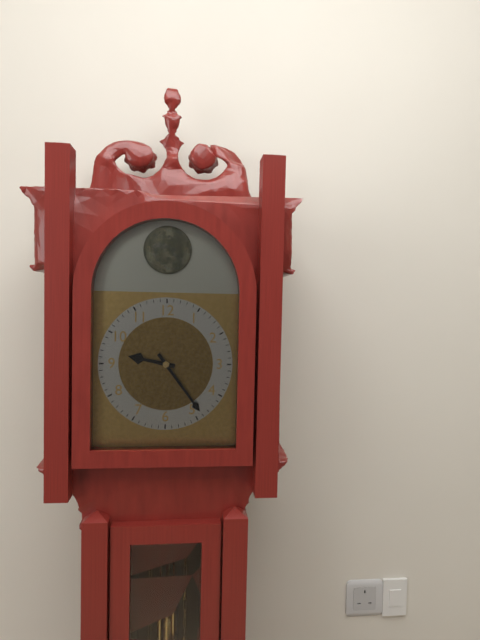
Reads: 9.24
